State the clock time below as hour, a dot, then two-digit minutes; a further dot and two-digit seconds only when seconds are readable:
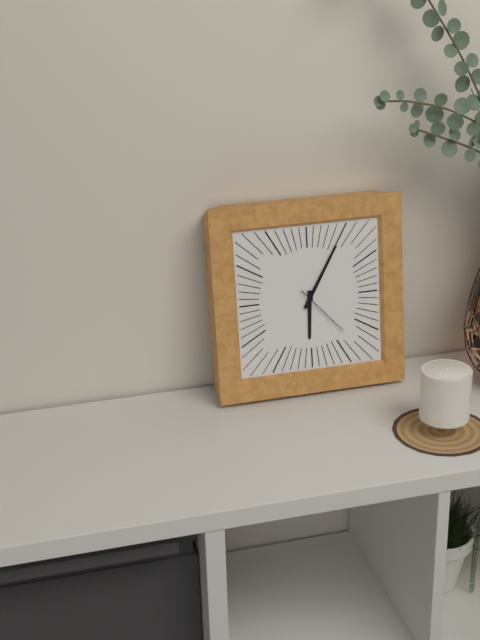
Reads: 6.05.23
